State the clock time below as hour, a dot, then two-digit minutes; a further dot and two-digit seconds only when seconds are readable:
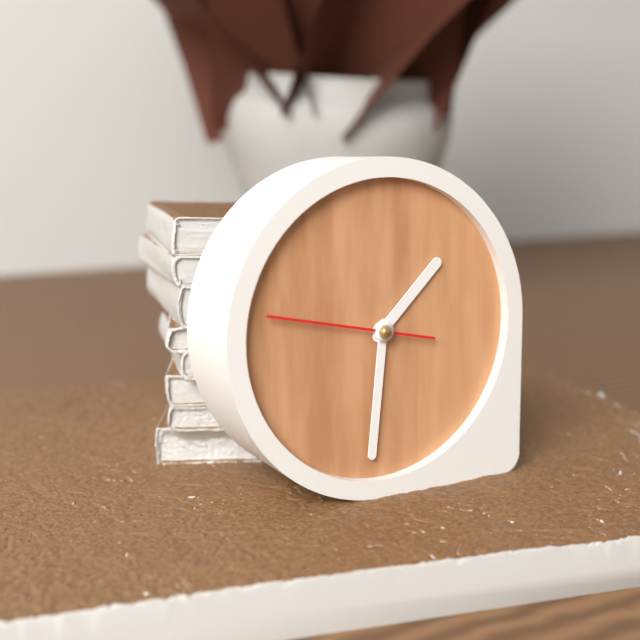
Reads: 1.31.47
